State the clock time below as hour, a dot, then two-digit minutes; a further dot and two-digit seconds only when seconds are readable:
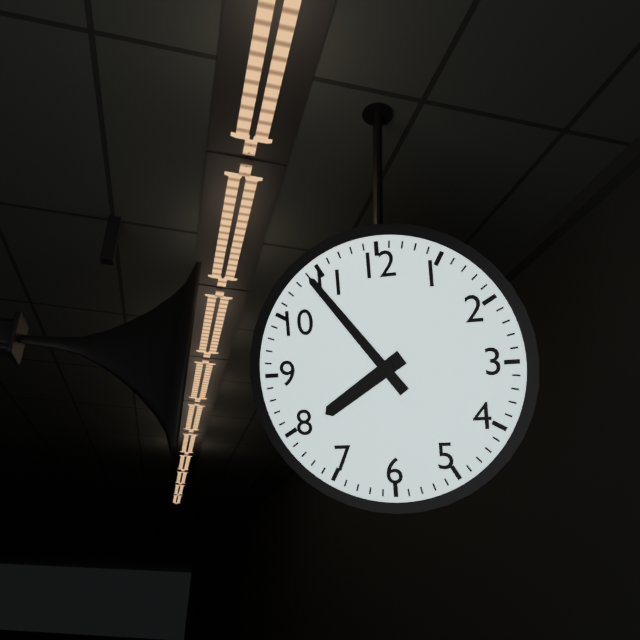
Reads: 7.54
